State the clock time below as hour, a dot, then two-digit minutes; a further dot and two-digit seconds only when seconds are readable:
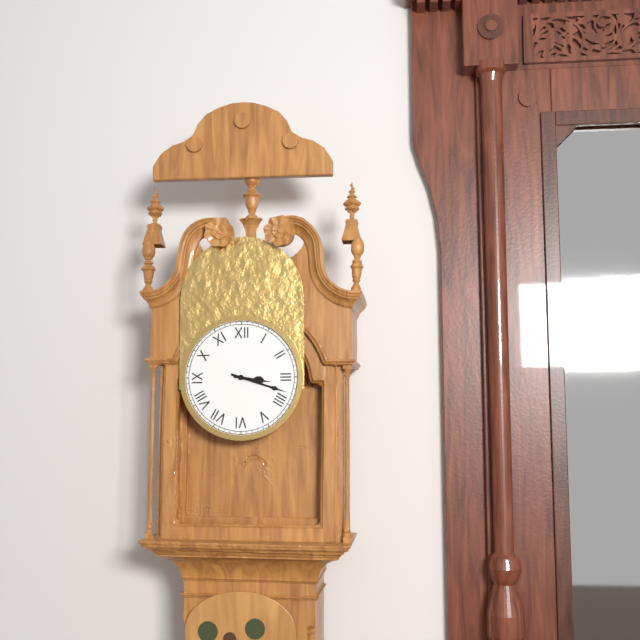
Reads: 3.18
